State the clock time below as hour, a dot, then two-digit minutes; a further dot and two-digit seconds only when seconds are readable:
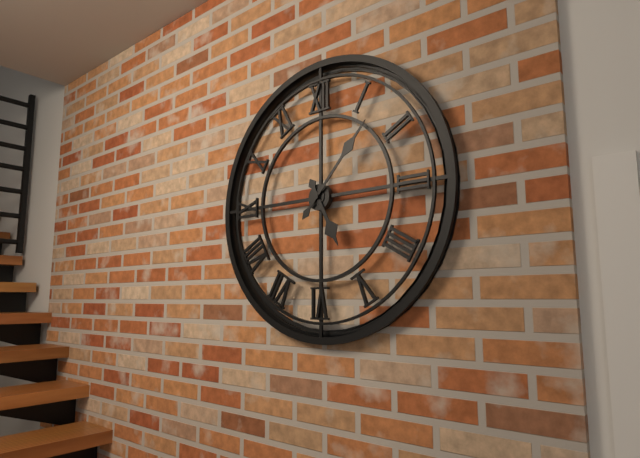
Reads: 5.07
